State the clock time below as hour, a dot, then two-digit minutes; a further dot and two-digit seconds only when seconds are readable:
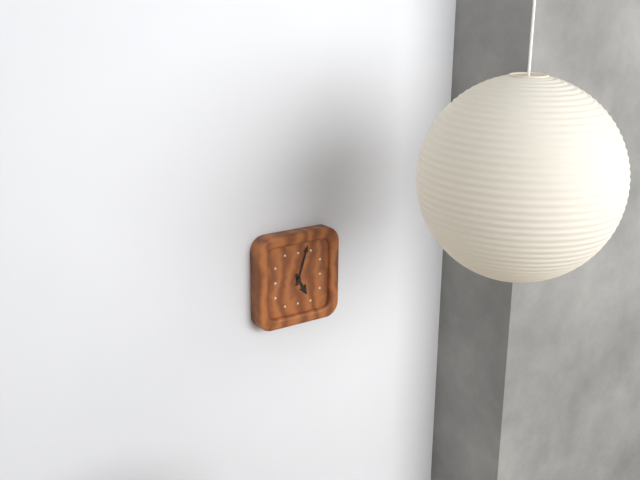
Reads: 5.03
